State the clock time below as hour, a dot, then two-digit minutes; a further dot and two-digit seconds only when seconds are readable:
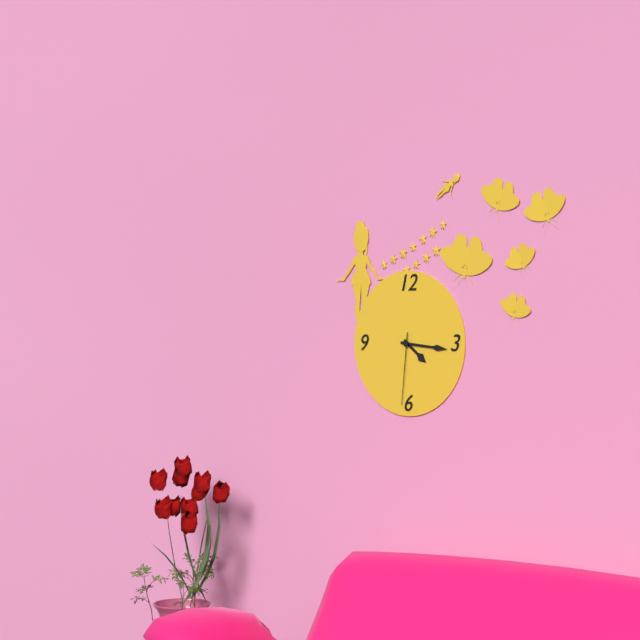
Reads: 4.16.31
